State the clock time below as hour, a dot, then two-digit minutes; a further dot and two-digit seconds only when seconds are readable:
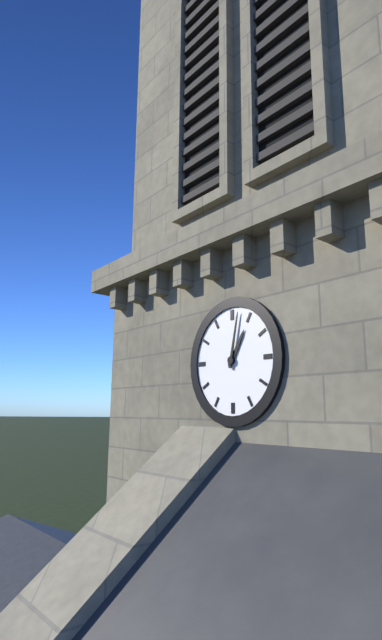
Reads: 1.02
